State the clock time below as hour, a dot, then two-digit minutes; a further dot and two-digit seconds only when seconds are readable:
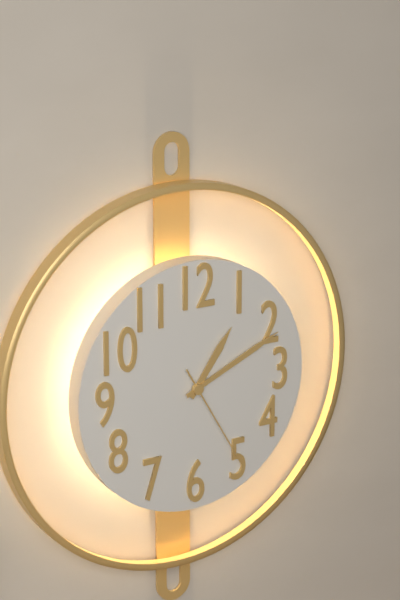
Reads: 1.11.25
